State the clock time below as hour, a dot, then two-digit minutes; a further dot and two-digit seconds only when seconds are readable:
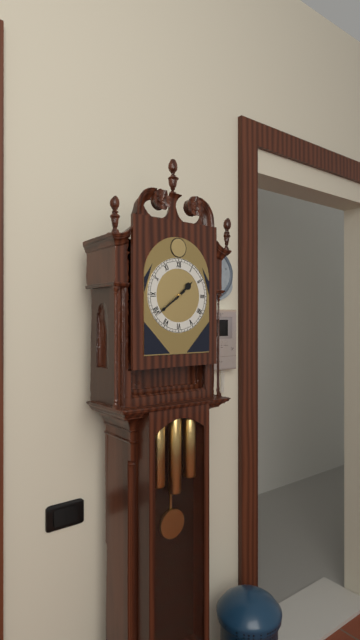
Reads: 1.39
